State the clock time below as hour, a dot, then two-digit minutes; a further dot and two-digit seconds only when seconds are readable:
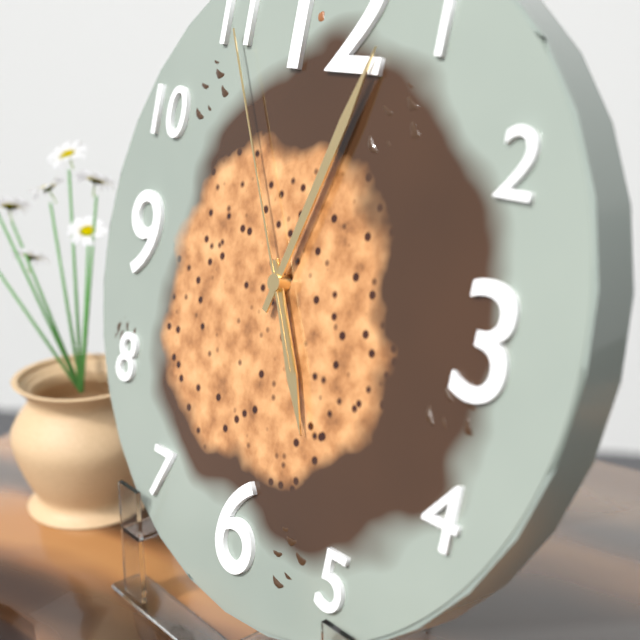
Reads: 5.03.55
